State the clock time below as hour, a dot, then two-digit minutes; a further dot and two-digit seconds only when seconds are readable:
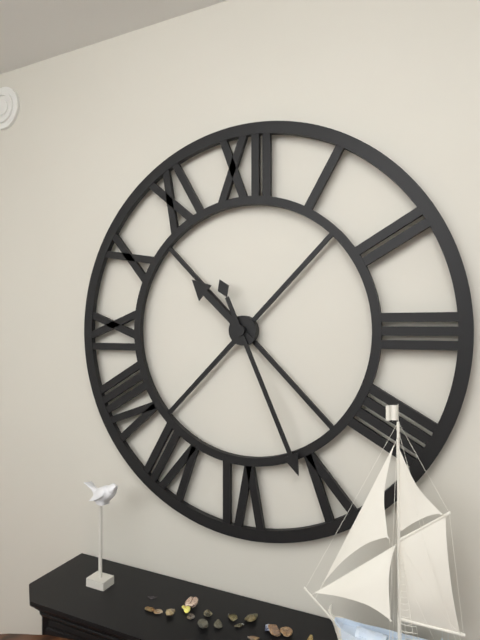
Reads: 10.26
